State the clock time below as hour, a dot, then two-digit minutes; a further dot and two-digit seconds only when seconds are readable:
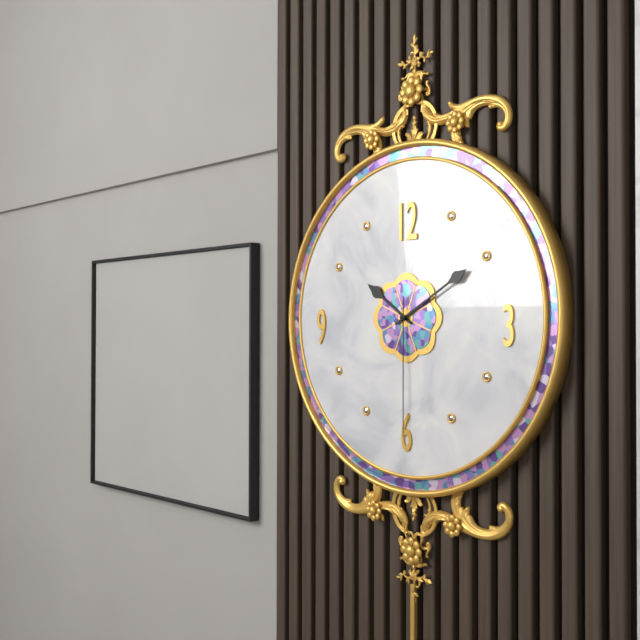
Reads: 10.10.30
